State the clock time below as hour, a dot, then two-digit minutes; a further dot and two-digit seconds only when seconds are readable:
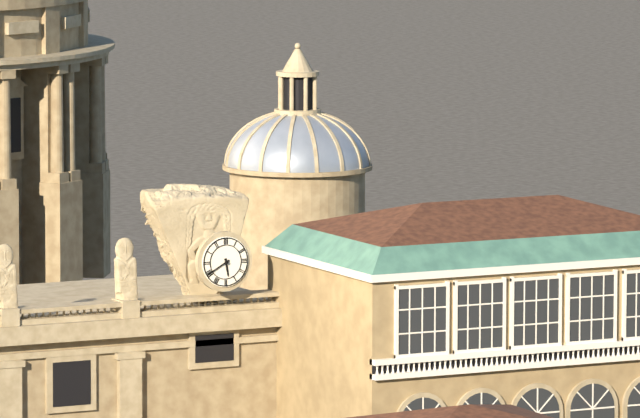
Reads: 5.40
